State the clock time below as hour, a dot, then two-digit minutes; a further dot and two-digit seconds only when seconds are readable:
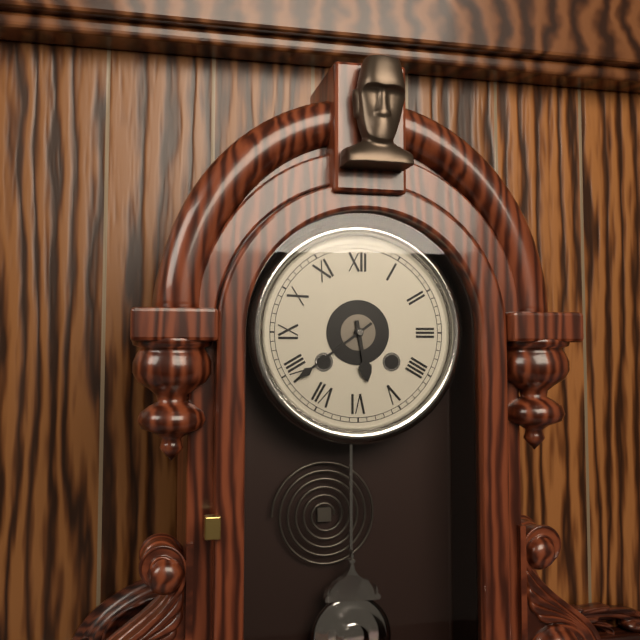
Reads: 5.39
